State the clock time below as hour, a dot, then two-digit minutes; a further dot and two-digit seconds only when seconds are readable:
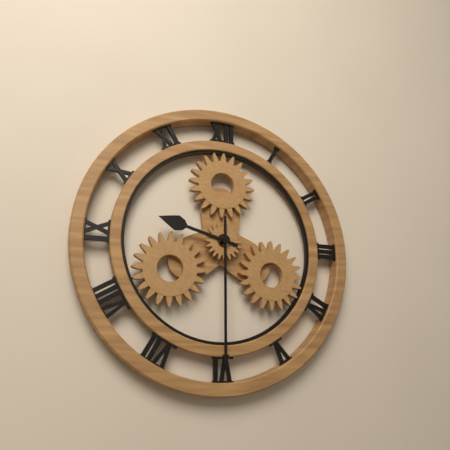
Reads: 9.30
